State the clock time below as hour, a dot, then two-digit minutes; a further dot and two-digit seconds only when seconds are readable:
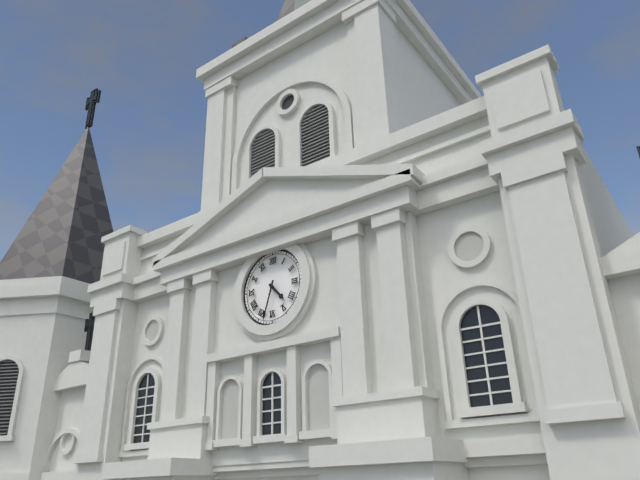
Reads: 4.33
